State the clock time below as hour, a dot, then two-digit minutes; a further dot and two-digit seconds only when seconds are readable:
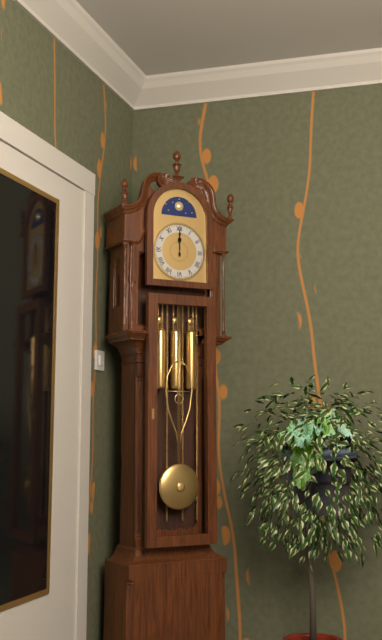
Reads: 12.00
